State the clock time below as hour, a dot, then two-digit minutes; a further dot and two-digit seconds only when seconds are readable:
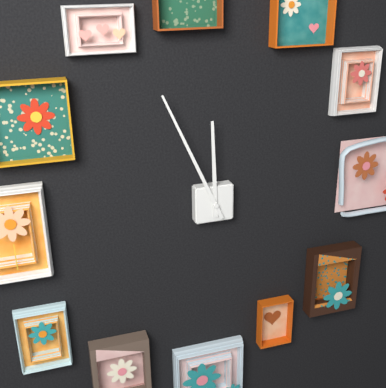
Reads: 11.56
